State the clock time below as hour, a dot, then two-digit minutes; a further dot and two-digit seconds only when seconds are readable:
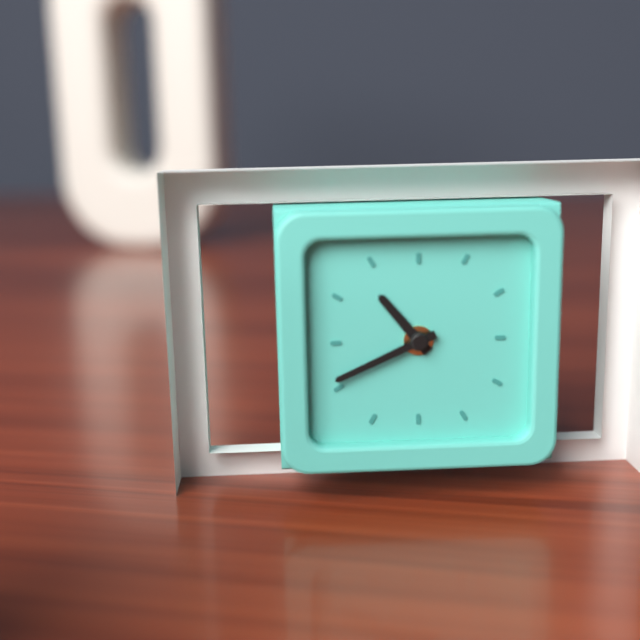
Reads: 10.41
